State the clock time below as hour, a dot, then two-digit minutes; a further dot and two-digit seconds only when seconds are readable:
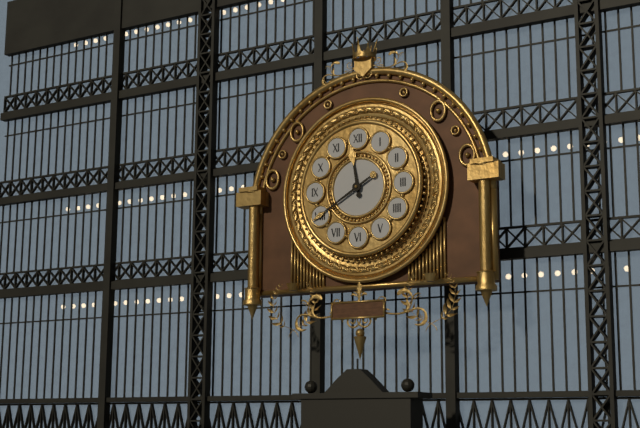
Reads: 11.40
